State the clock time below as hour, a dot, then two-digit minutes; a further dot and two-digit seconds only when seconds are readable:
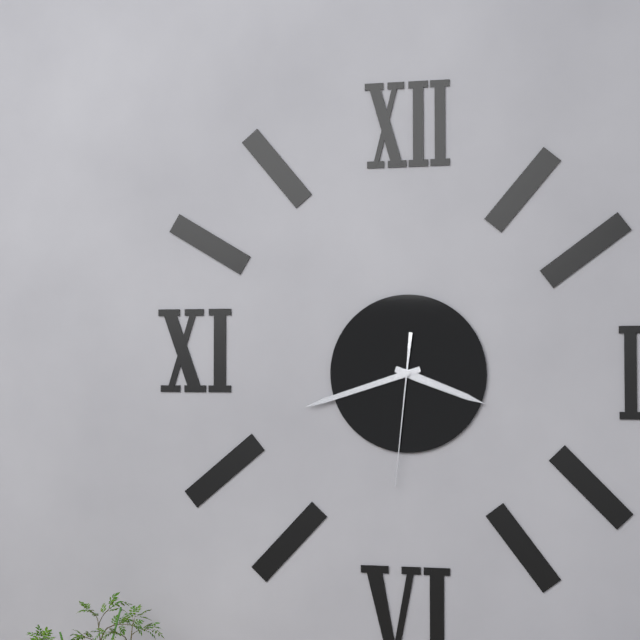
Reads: 3.42.31
